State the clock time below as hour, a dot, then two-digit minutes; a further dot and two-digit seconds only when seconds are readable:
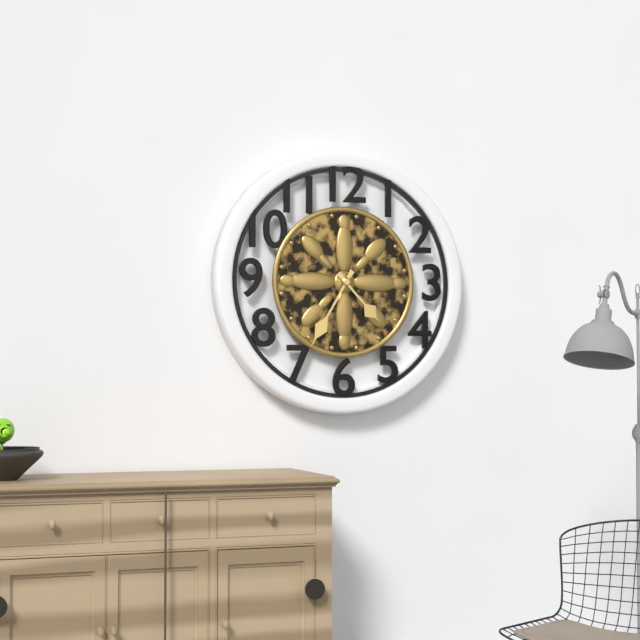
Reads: 4.35
